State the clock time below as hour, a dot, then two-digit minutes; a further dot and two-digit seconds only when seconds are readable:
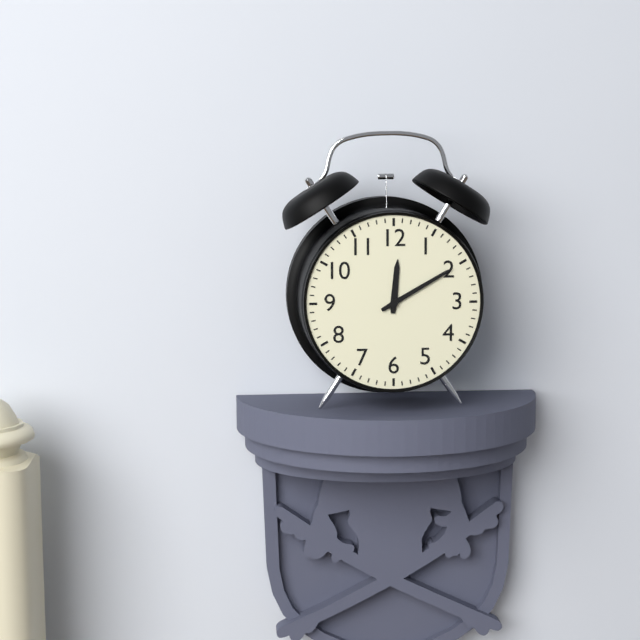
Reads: 12.10
